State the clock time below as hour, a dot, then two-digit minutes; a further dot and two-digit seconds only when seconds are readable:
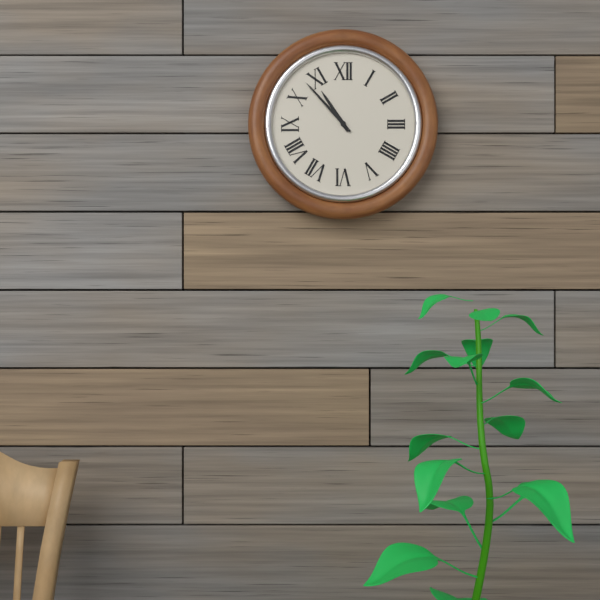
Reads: 10.53
